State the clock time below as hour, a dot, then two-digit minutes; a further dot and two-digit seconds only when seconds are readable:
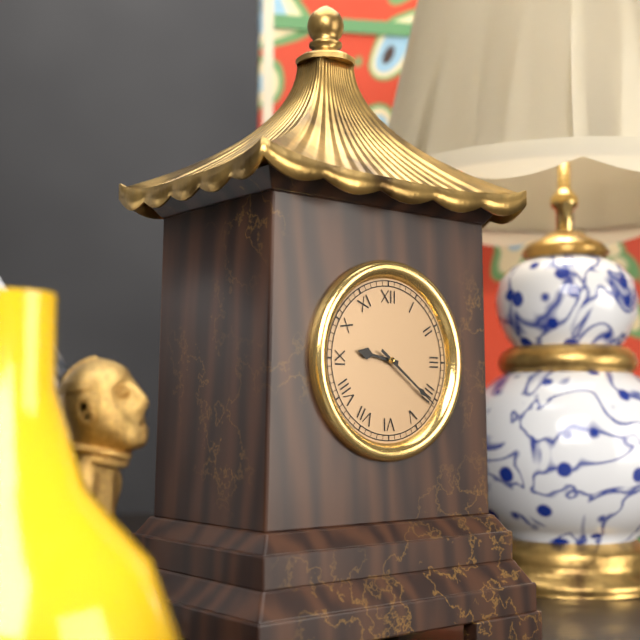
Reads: 9.21
